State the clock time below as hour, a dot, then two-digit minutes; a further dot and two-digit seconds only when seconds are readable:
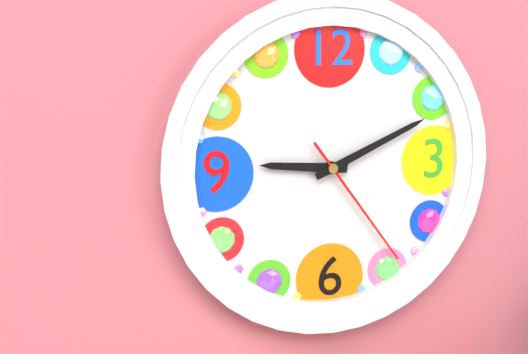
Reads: 9.11.24
